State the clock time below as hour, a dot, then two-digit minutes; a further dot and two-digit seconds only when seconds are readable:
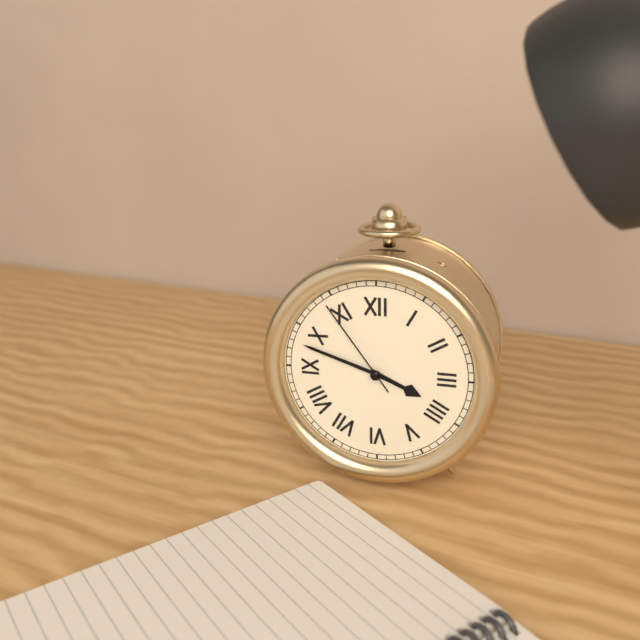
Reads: 3.48.54
